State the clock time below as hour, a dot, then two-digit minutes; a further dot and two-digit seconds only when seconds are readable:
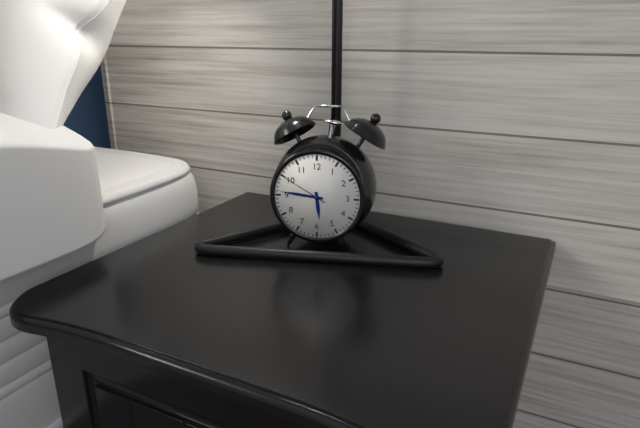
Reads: 5.46.50
